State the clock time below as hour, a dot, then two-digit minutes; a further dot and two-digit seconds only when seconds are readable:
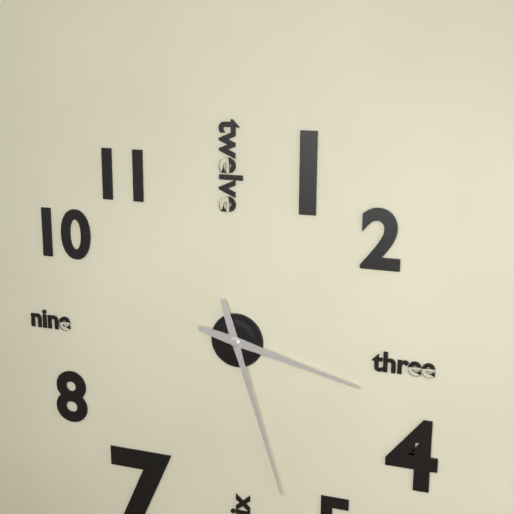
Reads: 3.27
